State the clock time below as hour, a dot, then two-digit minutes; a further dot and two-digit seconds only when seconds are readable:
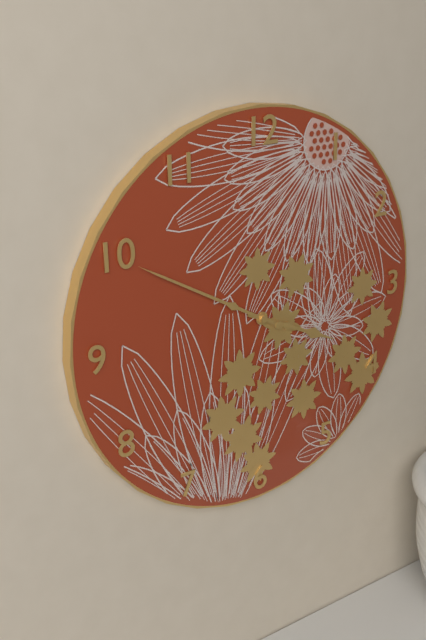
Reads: 3.50
